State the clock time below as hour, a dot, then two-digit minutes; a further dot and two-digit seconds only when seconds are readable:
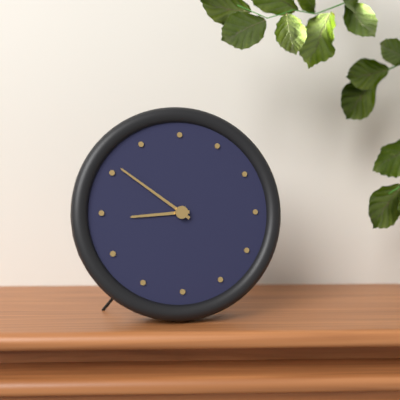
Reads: 8.51
